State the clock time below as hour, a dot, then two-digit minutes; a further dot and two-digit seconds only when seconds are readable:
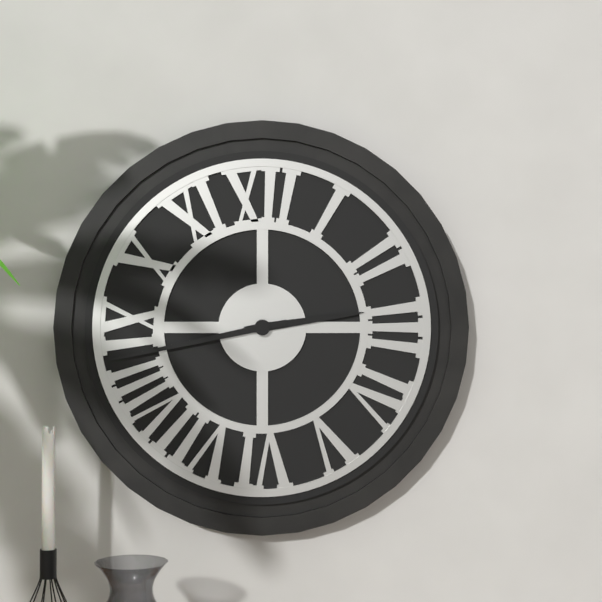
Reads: 2.43
